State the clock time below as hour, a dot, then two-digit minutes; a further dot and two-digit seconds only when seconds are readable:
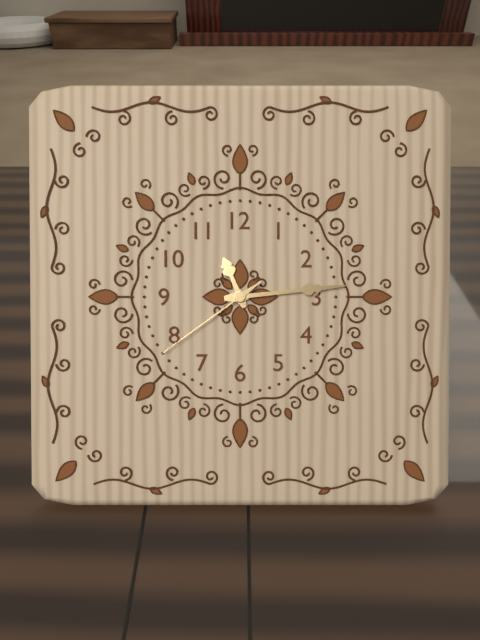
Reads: 11.14.39
